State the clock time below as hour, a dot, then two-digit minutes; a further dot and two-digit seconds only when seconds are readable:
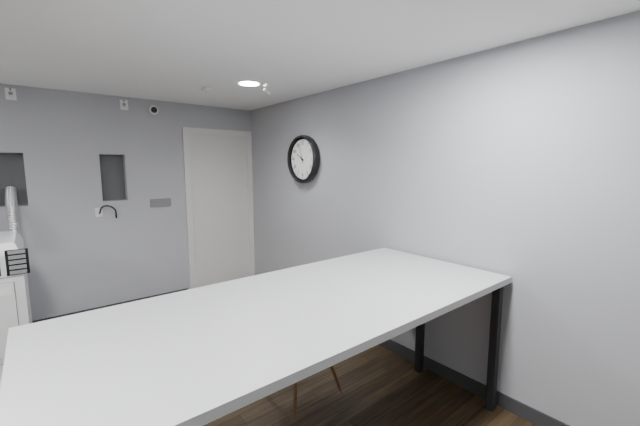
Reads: 9.57
